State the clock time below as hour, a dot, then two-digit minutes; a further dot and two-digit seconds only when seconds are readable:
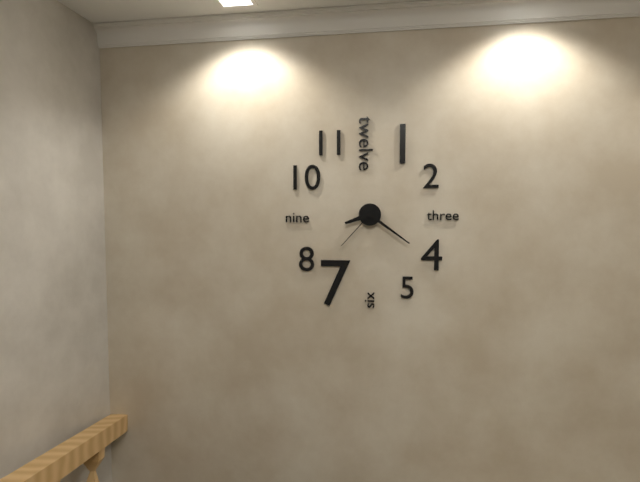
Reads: 8.21.37
